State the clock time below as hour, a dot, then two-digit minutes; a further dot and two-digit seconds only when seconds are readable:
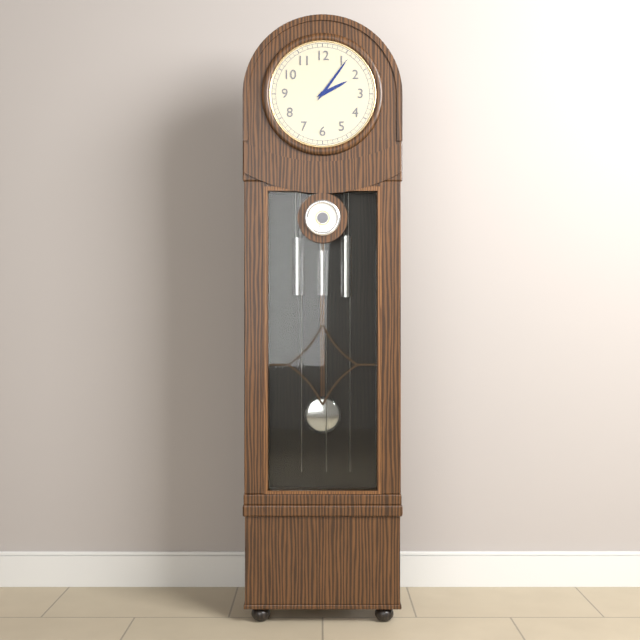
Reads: 2.06
